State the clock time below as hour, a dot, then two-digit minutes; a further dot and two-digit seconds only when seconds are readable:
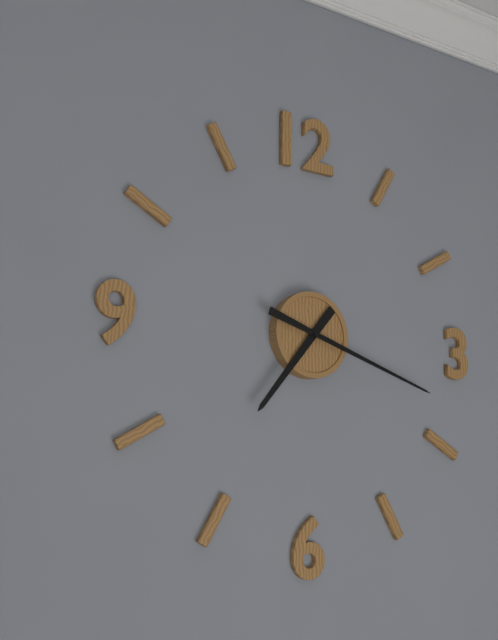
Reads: 7.18
